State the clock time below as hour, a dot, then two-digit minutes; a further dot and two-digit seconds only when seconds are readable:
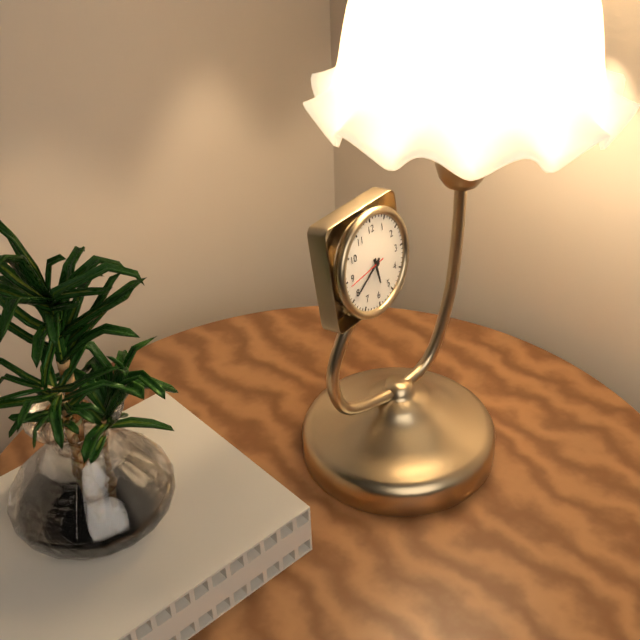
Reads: 5.40
